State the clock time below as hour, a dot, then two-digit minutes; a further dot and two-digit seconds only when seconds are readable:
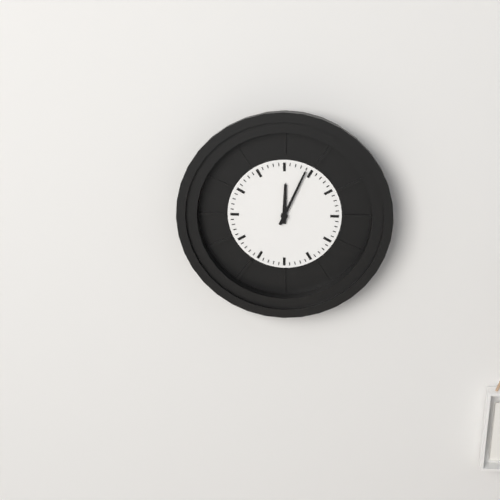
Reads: 12.04
